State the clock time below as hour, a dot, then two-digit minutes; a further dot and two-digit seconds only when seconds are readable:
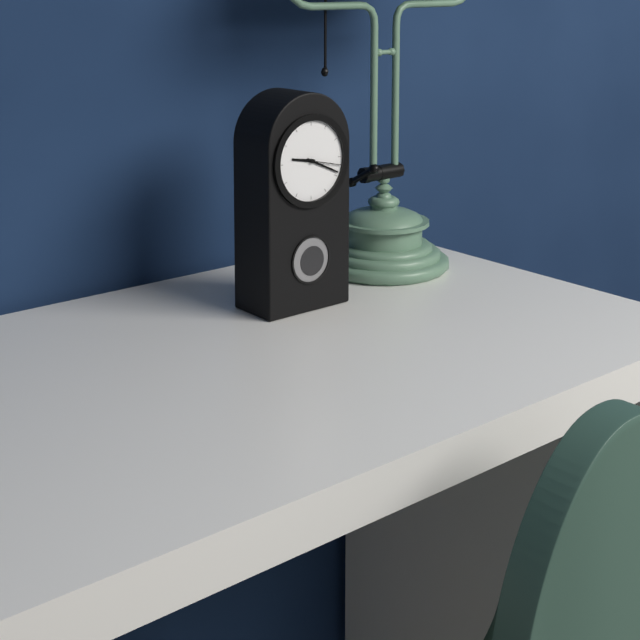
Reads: 9.19
